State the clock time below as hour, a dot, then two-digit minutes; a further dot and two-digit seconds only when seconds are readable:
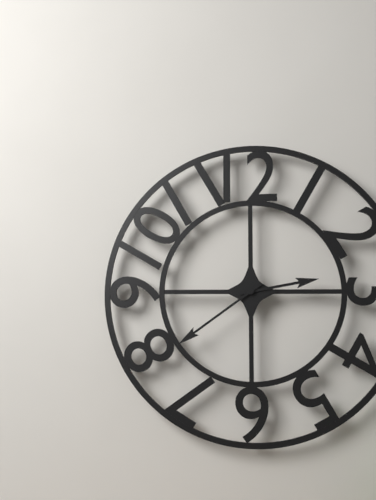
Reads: 2.39
